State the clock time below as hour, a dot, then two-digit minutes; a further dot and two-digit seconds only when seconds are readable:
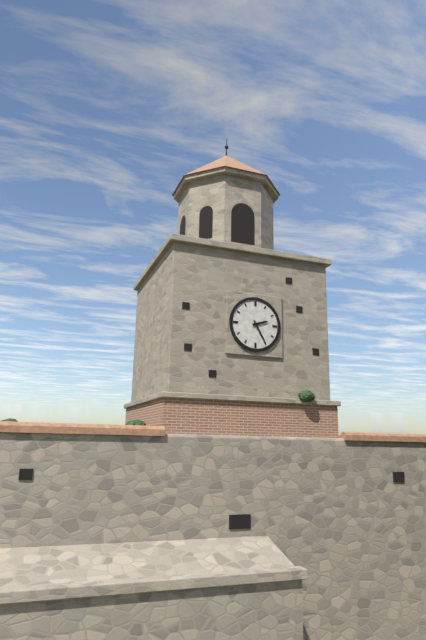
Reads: 2.25
